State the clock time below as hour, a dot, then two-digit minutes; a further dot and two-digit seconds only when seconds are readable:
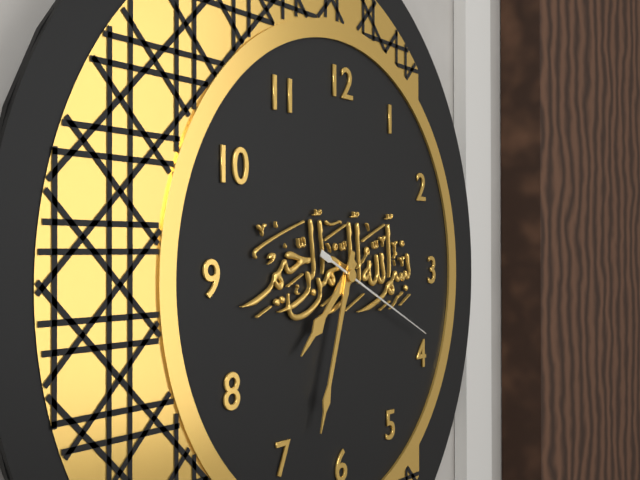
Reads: 7.33.19
